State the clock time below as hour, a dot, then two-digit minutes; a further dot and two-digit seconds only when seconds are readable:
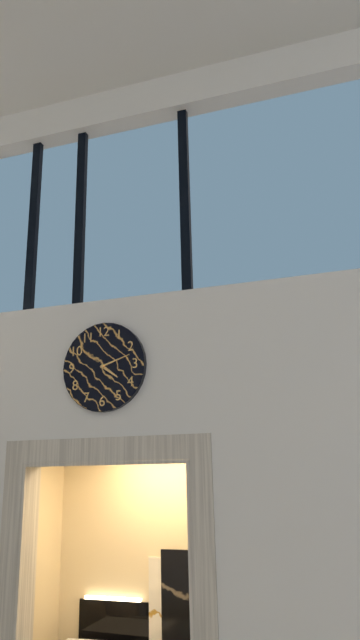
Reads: 4.12
